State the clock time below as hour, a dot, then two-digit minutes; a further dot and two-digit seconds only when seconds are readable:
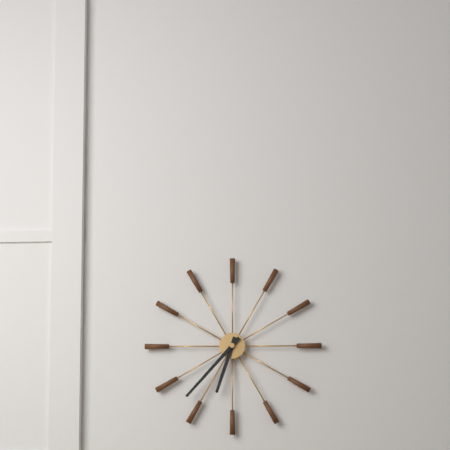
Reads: 6.37
